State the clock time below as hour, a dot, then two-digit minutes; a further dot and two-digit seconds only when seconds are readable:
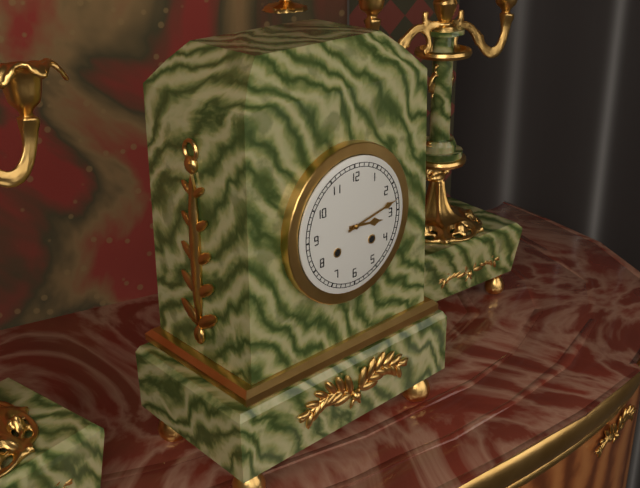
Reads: 3.13
